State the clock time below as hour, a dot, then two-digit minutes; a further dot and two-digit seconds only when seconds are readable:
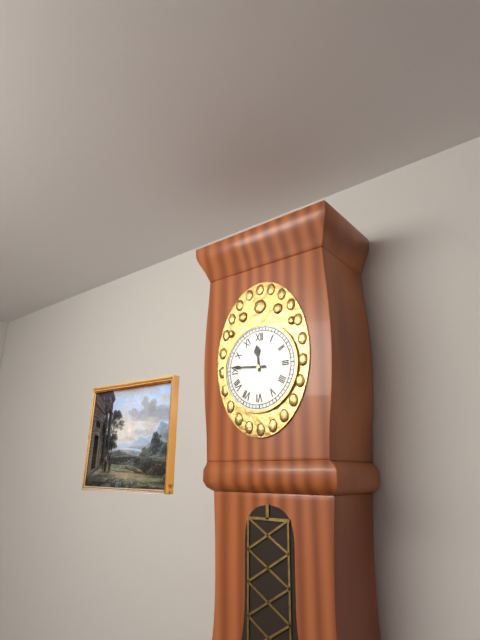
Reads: 11.46
